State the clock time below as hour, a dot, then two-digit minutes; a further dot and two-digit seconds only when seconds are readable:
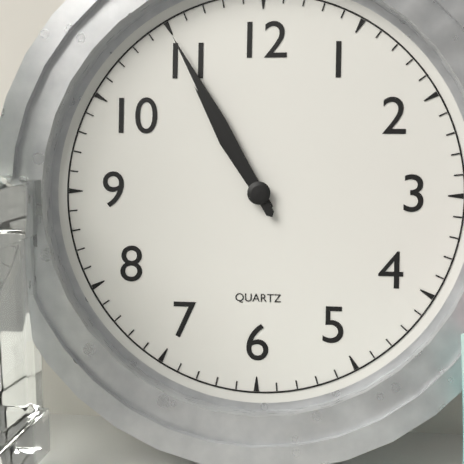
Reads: 10.55
